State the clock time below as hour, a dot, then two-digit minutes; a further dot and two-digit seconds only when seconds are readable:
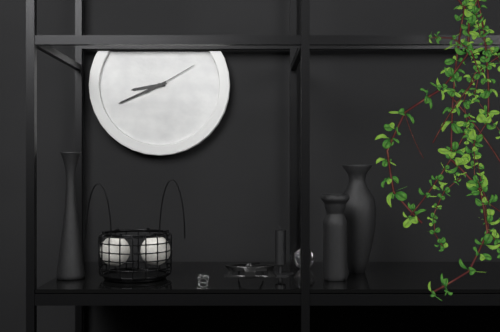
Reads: 8.41.10
